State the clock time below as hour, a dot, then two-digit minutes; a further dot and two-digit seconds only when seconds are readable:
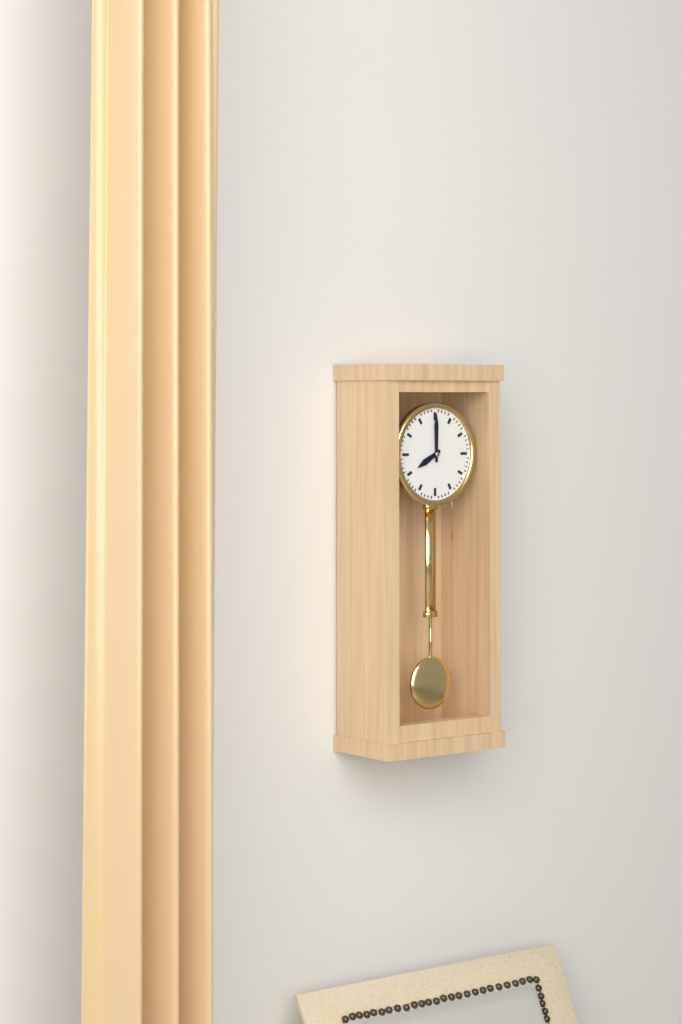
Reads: 8.00
